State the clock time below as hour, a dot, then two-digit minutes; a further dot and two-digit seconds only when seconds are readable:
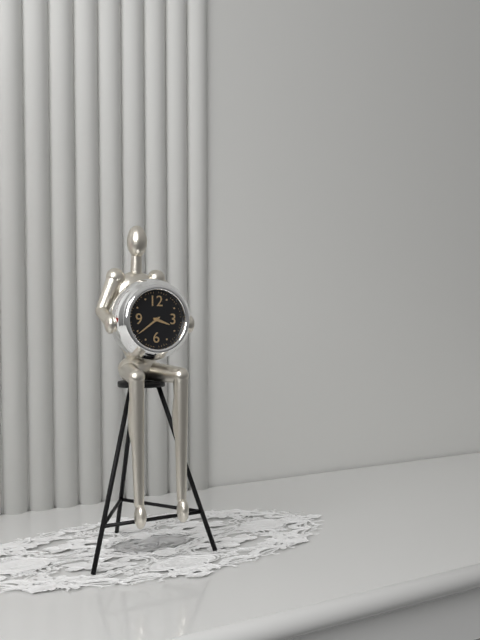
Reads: 3.39
